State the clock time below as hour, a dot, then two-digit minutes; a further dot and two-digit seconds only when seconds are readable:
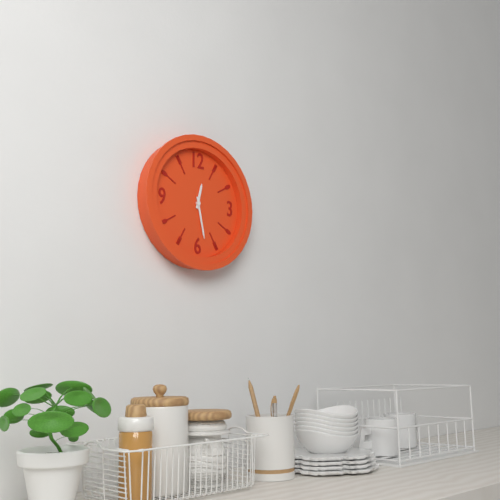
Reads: 12.28
